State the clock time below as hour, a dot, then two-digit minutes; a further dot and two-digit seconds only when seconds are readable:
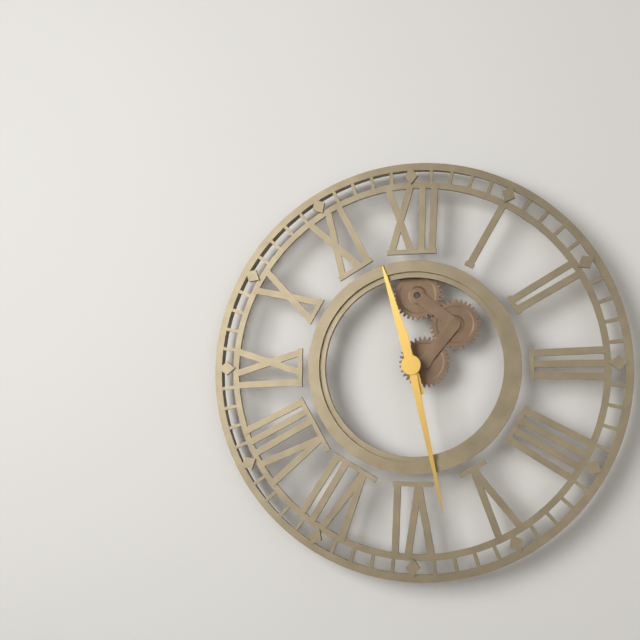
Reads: 11.28
